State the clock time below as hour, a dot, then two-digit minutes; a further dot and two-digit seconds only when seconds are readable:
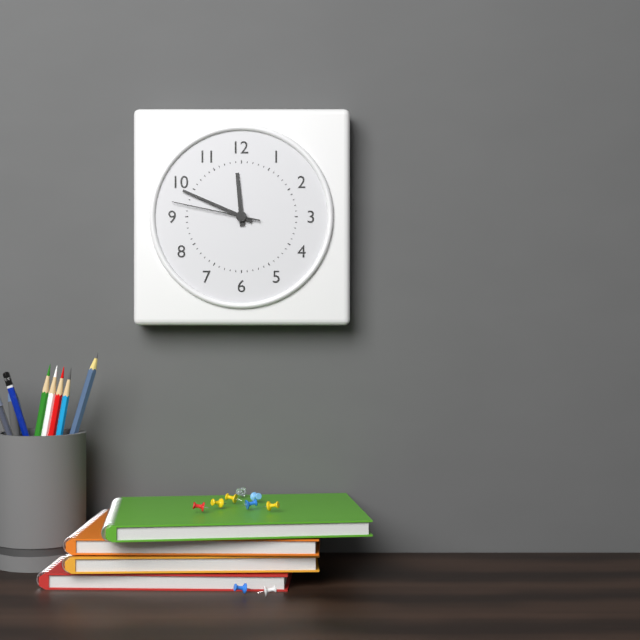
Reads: 11.49.47
